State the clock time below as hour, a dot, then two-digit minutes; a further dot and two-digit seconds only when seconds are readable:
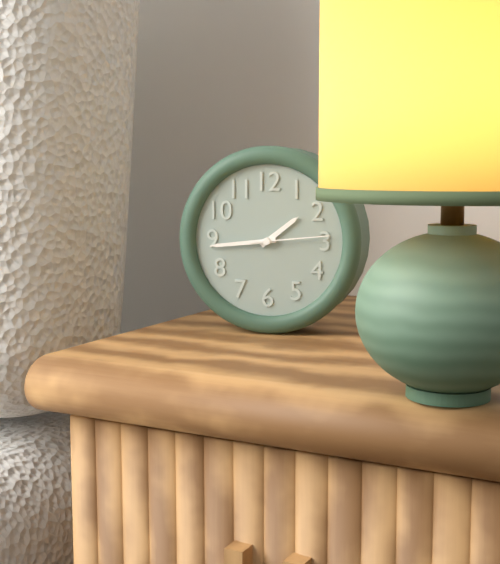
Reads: 1.44.14
